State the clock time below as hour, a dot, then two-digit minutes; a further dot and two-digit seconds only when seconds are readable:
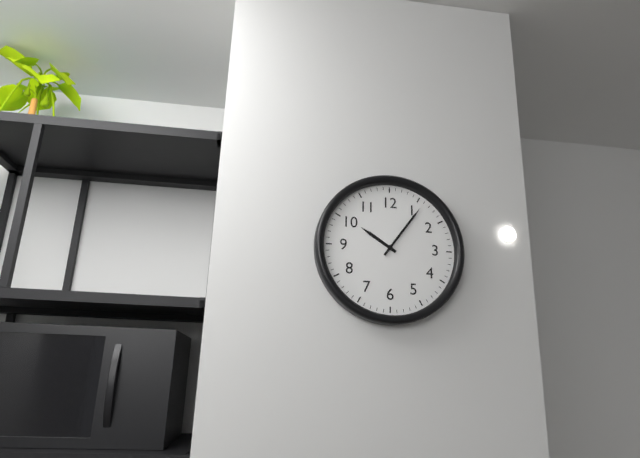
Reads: 10.06
